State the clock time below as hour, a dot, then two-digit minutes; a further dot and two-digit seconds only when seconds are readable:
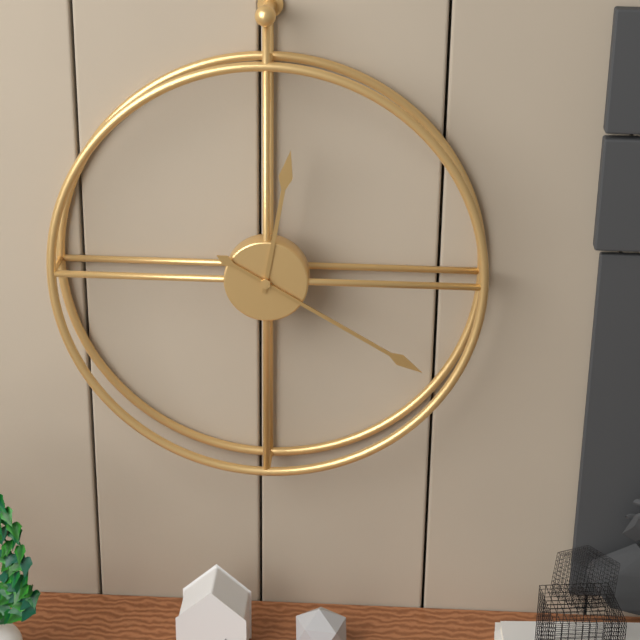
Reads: 12.20
